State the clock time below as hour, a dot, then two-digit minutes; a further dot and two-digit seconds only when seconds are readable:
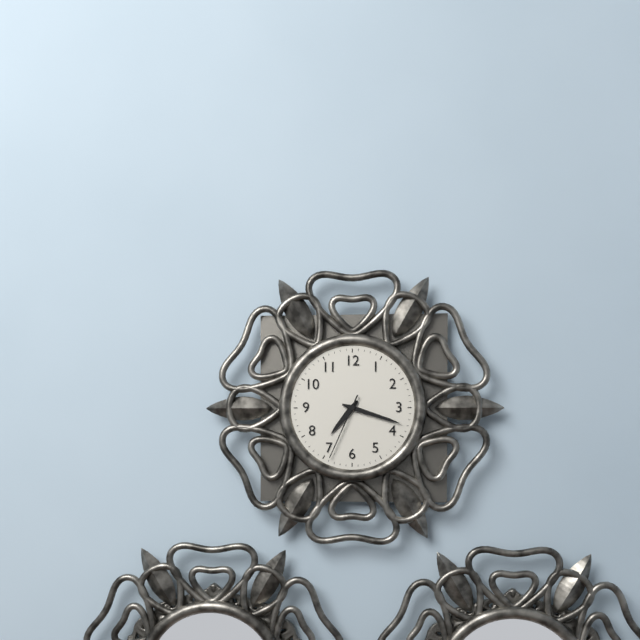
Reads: 7.18.34
